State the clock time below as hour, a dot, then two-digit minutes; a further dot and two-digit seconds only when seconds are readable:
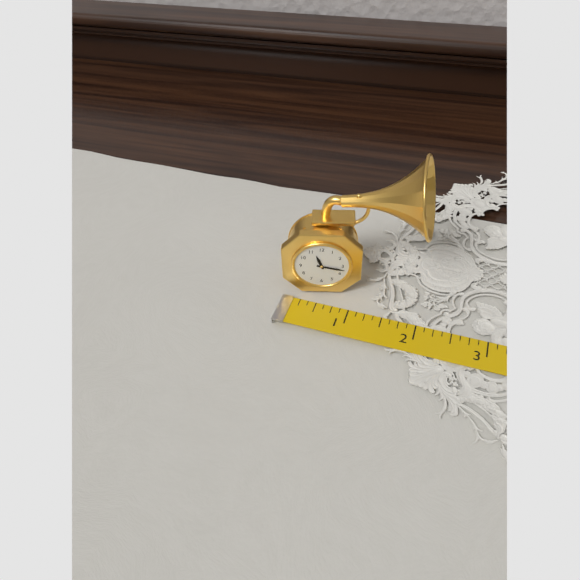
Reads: 11.17
